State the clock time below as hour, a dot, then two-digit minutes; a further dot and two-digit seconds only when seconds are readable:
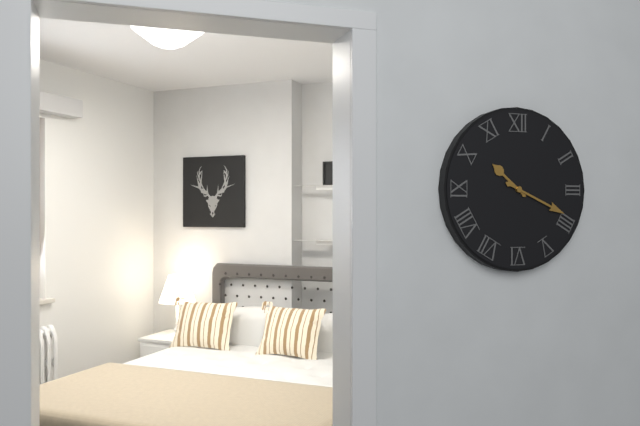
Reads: 10.19
